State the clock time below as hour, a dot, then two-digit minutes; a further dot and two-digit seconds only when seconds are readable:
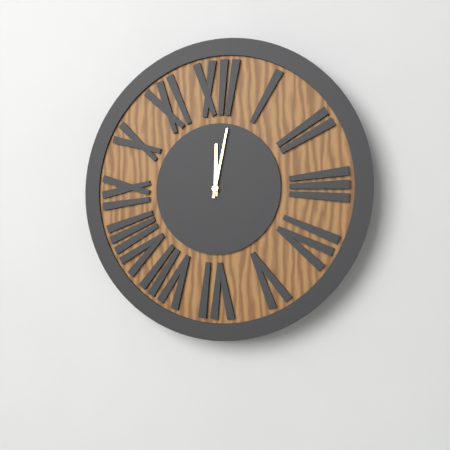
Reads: 12.02
